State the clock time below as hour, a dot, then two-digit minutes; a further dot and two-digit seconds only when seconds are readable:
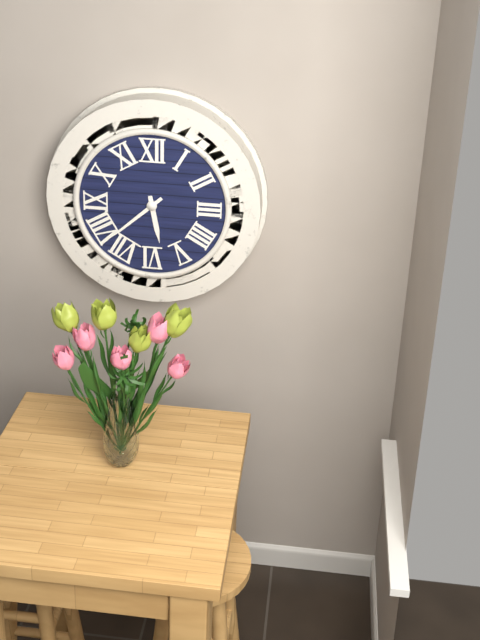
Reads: 5.38
